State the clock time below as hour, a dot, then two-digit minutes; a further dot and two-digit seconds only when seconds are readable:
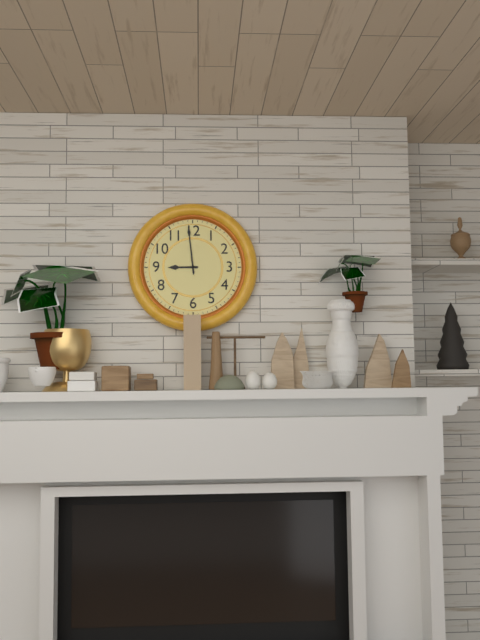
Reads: 8.59
